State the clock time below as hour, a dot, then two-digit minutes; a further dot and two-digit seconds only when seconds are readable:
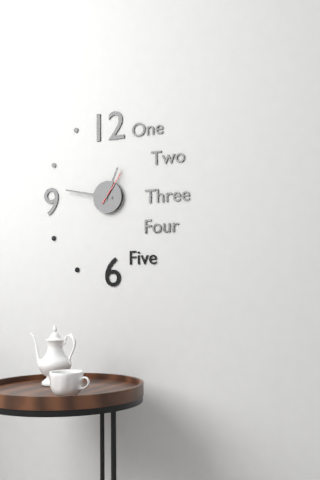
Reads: 12.47
